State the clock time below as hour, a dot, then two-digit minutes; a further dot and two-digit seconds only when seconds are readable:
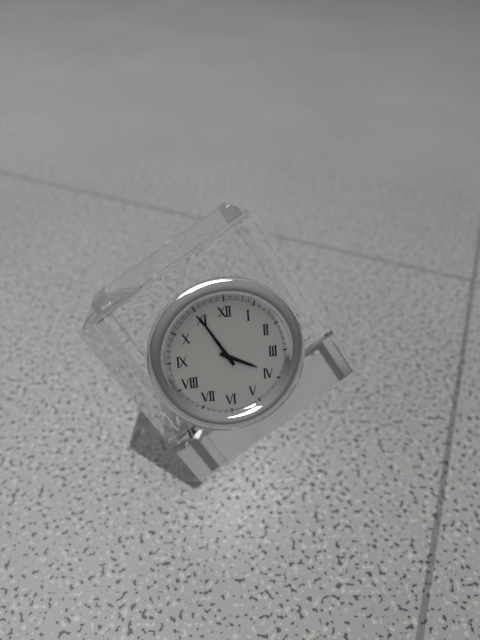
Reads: 3.55
